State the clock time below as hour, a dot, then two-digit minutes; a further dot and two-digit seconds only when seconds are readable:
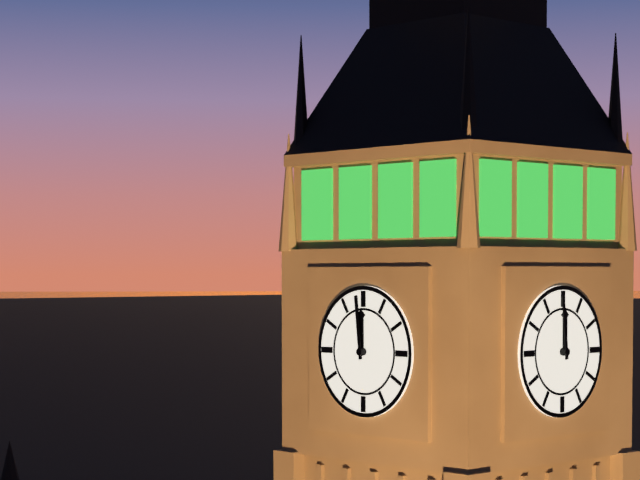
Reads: 11.59
